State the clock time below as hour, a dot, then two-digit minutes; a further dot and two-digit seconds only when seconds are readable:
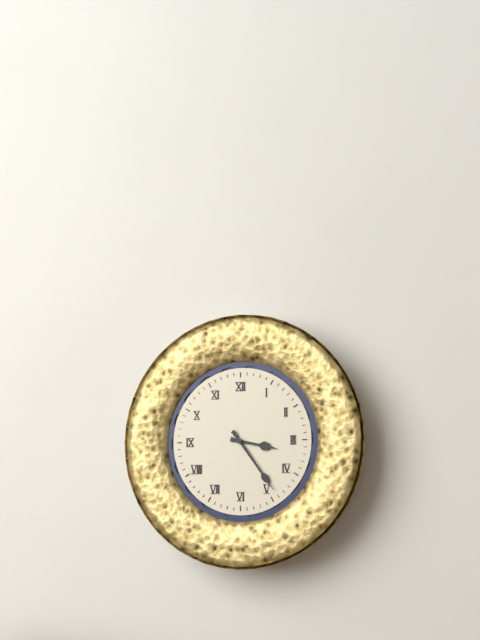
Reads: 3.24
